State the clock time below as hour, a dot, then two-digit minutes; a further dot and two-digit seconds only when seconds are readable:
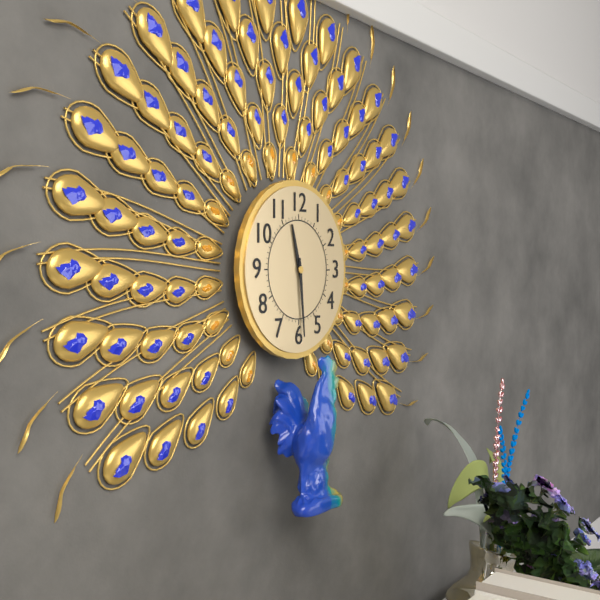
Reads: 11.29
